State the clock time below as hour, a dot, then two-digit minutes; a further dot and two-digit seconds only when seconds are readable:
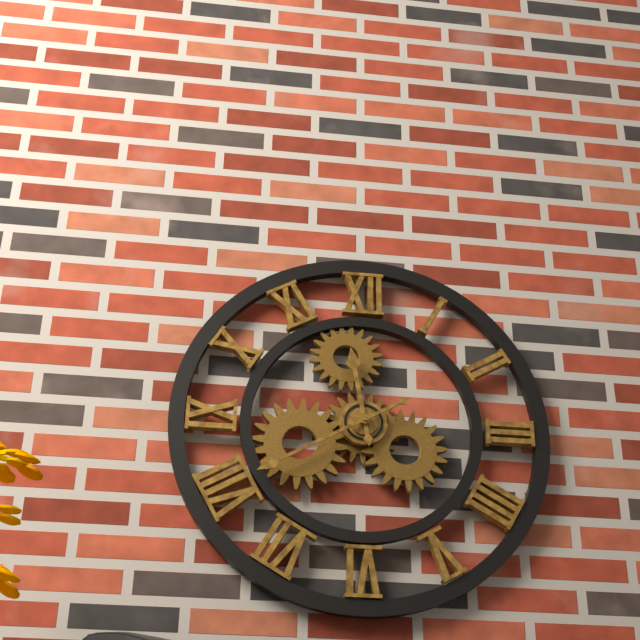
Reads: 11.40
